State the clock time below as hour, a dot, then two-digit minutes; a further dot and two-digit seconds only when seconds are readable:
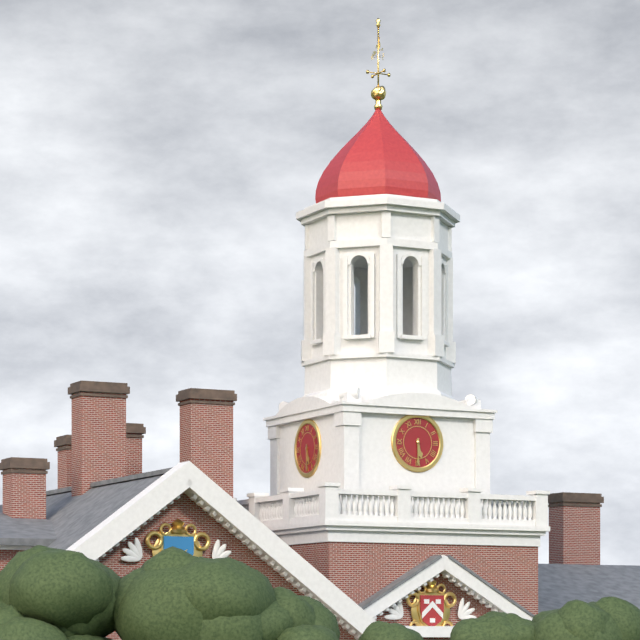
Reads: 5.30
